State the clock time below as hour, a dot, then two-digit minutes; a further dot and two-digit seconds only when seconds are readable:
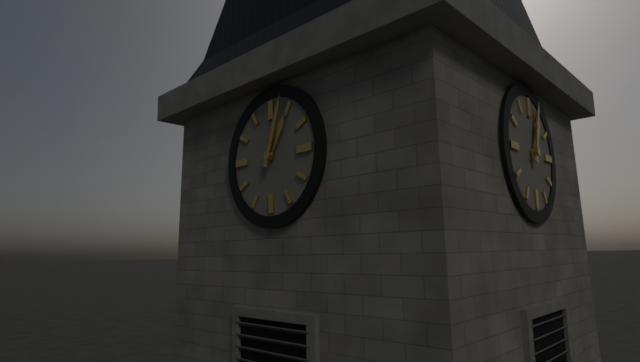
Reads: 1.03
